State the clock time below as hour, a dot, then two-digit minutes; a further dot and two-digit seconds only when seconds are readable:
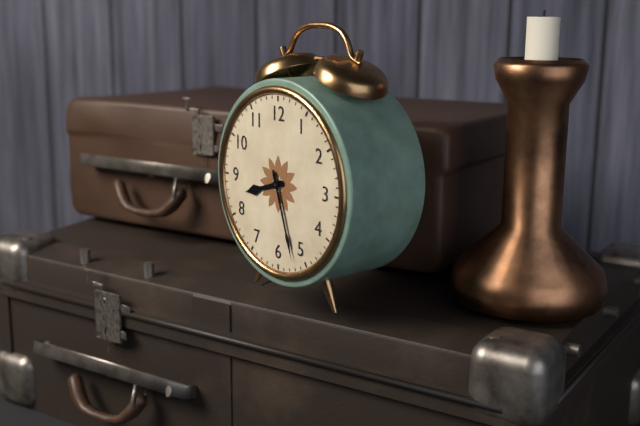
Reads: 8.27
